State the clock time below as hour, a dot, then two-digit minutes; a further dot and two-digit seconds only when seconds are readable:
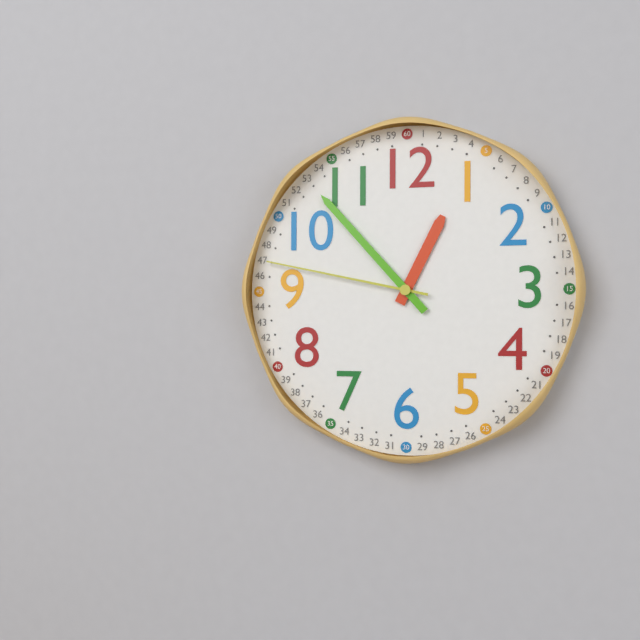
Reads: 12.53.47
